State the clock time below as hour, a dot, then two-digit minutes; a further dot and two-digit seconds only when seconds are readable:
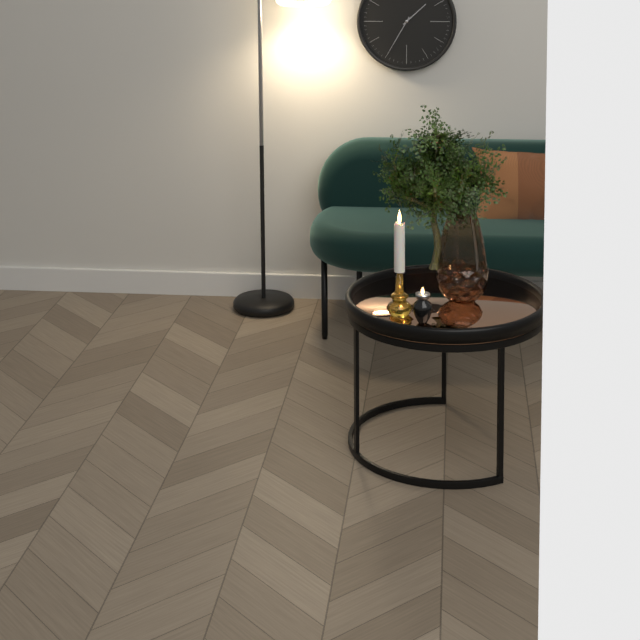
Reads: 1.35
